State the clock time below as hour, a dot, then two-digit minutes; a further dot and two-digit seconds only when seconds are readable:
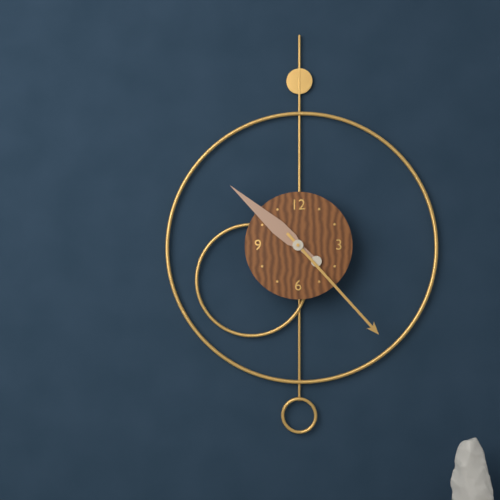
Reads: 10.23
